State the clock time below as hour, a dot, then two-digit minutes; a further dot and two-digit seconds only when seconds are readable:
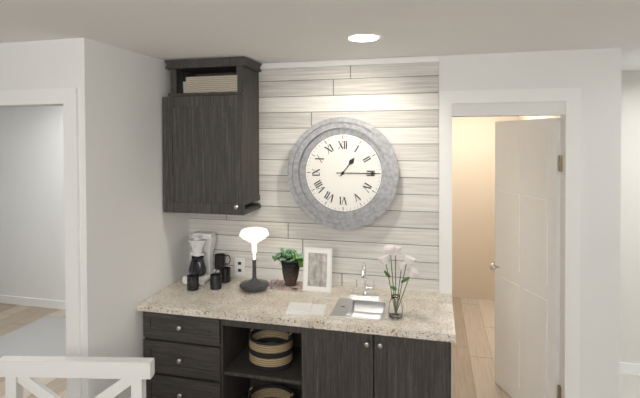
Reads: 1.15
